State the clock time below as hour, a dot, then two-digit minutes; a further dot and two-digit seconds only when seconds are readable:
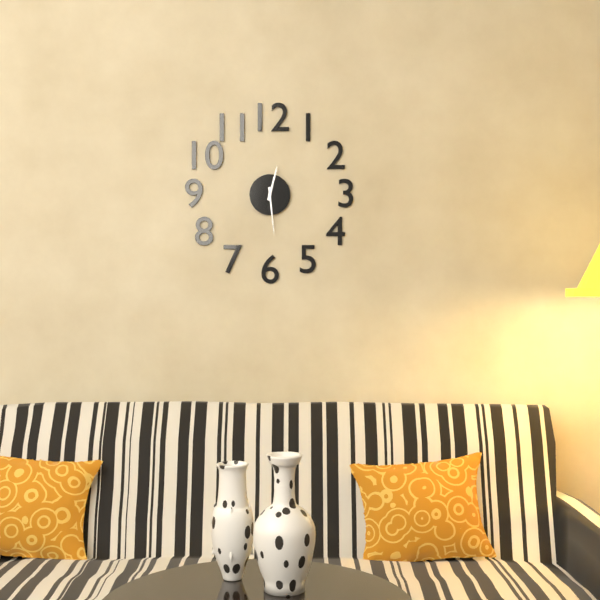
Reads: 12.29
